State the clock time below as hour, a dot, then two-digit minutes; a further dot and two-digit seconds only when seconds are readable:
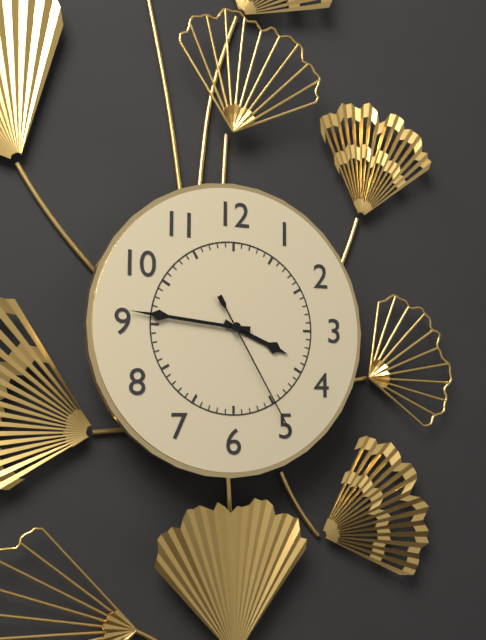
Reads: 3.46.25
